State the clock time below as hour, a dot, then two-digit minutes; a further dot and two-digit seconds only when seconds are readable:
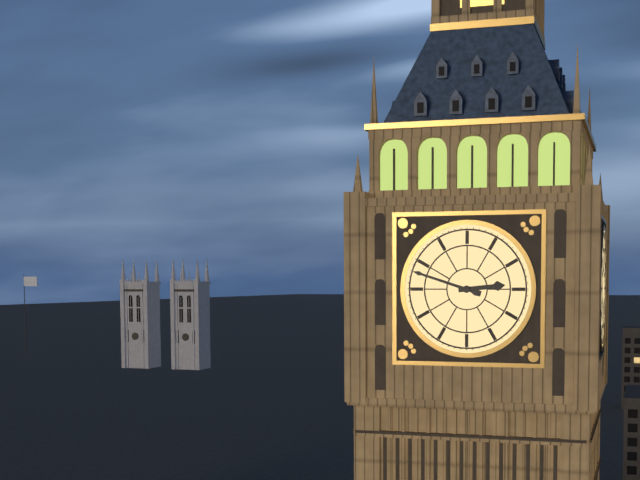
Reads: 2.48
